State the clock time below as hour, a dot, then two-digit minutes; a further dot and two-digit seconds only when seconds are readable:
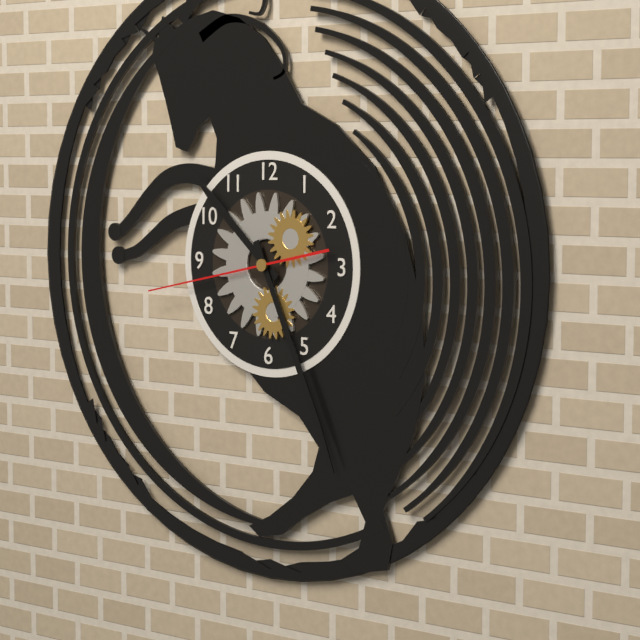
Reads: 10.26.43
